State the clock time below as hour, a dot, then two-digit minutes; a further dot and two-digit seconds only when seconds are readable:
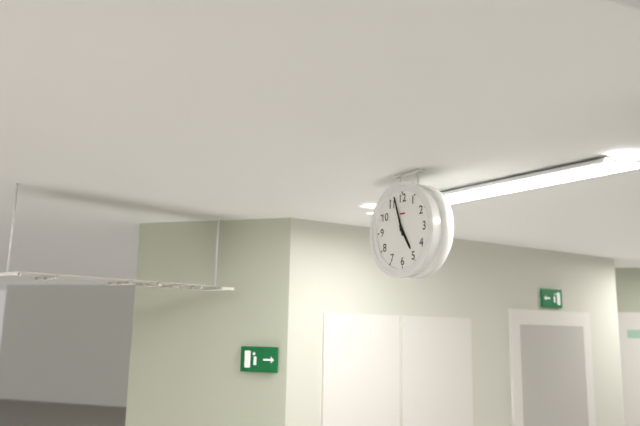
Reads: 4.57
